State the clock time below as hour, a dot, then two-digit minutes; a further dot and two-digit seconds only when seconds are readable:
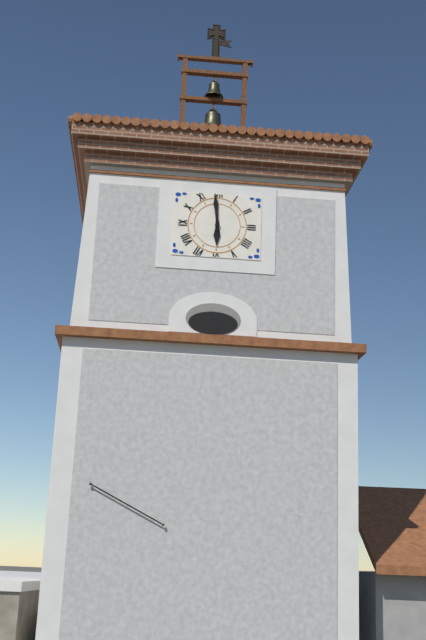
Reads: 5.59
